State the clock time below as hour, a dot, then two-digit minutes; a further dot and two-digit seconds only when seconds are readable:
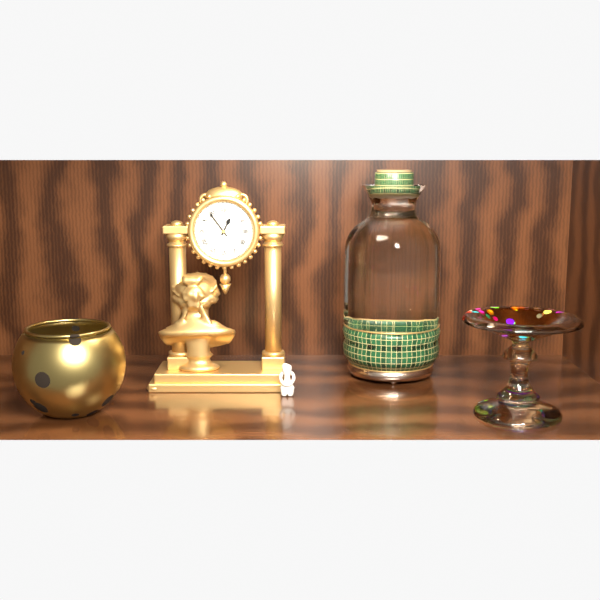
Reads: 12.54
